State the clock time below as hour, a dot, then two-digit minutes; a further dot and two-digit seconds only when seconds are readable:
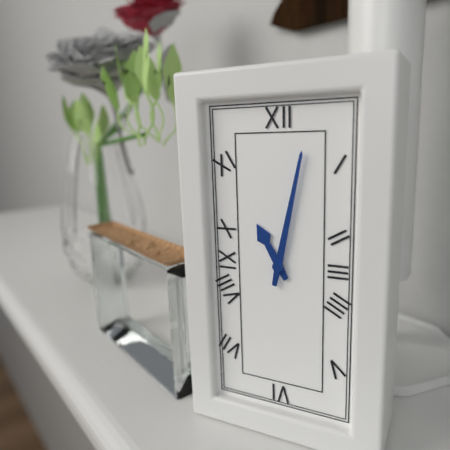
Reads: 11.02
